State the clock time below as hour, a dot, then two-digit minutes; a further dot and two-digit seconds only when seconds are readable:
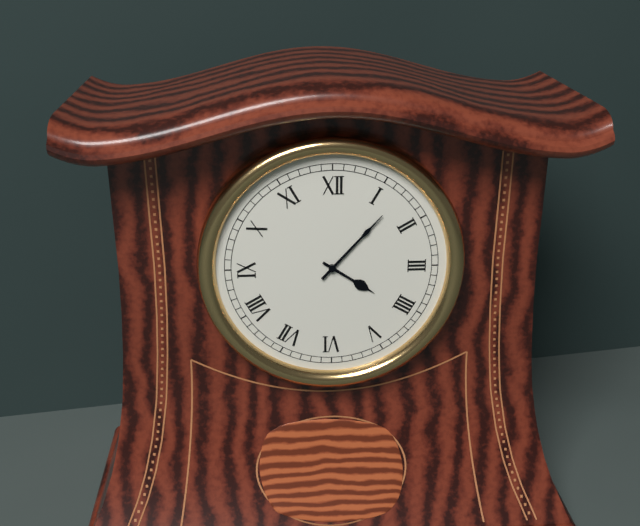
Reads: 4.07
